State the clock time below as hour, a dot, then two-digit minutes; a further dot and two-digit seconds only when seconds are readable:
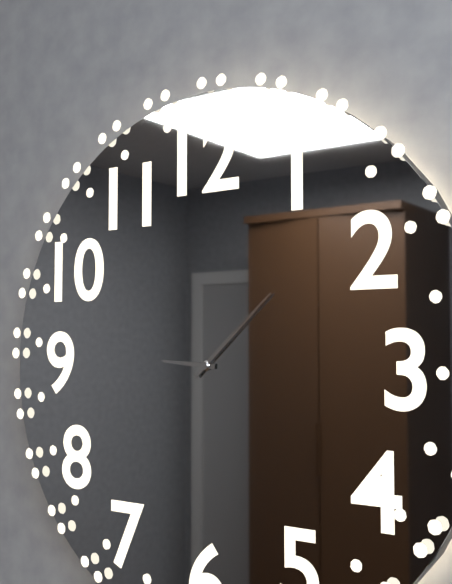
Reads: 9.08
